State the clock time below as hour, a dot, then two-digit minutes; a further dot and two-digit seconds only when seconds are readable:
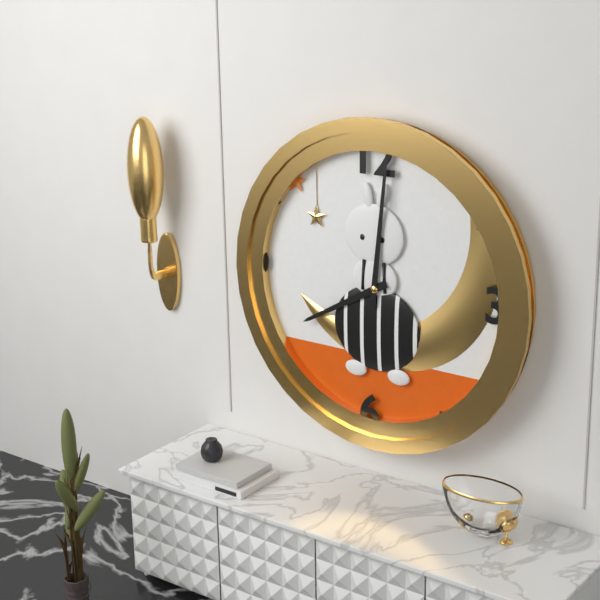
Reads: 8.01
